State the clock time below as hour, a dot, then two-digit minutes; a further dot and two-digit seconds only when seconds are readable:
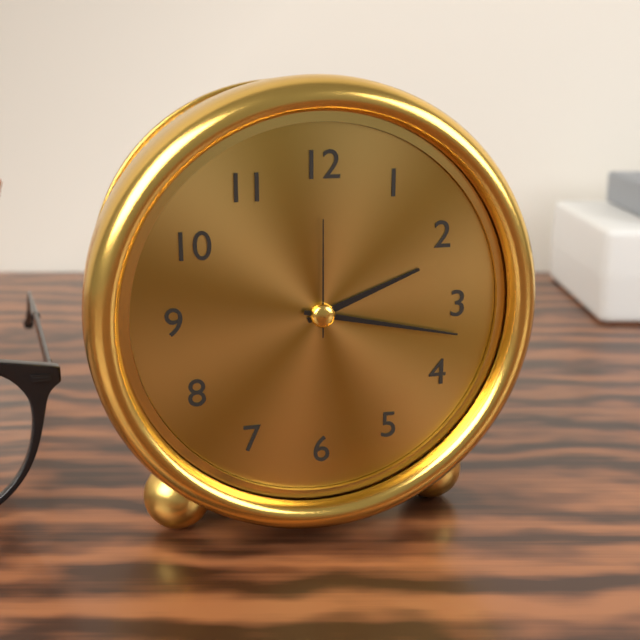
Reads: 2.17.00
